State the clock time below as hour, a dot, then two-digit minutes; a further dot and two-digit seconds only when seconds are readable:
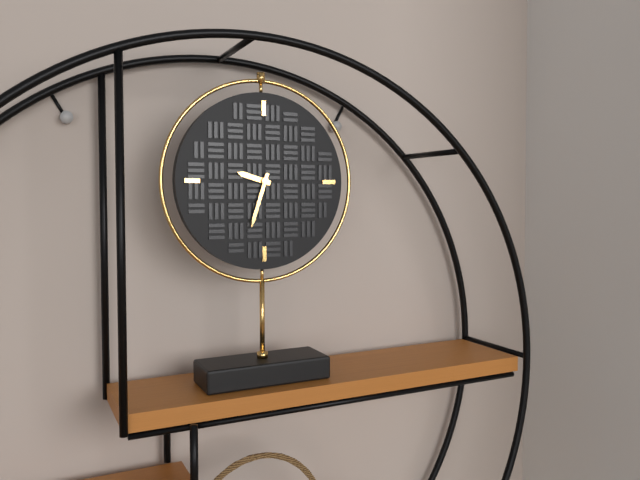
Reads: 9.33
